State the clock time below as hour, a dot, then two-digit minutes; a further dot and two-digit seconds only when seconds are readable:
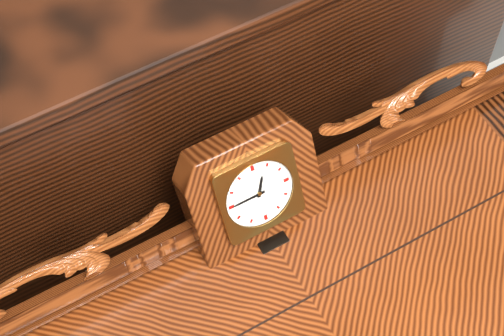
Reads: 12.45
